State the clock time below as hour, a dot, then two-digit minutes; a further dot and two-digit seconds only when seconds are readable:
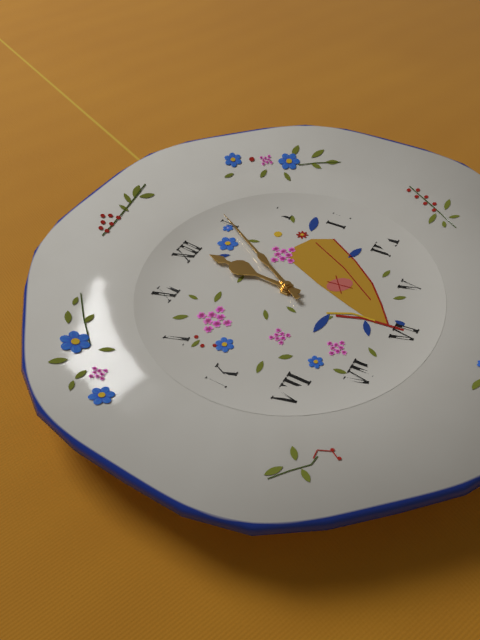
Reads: 12.05
